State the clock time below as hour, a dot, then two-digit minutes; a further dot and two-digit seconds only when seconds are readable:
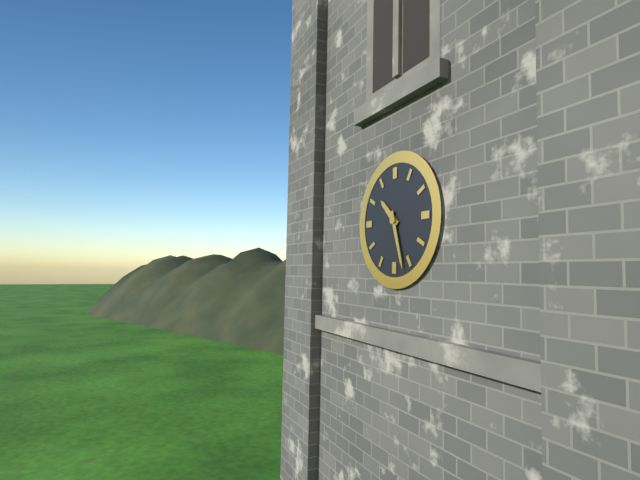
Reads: 10.27
